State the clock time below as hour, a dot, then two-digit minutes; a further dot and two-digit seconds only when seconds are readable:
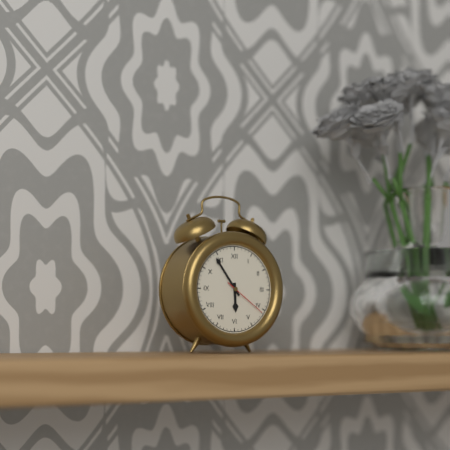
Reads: 5.54
